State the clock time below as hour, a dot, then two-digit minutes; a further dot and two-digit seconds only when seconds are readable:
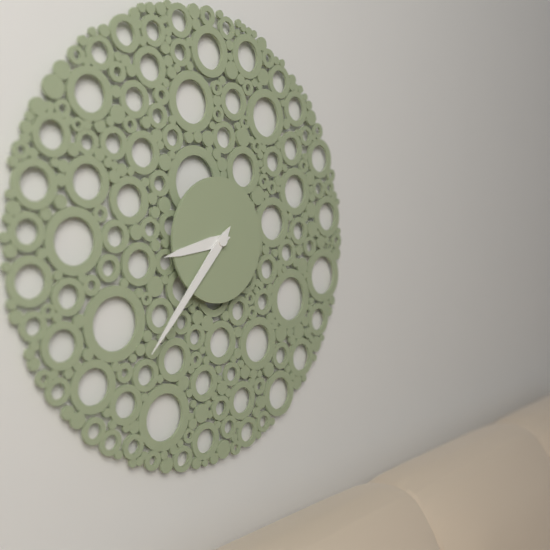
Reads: 8.37
